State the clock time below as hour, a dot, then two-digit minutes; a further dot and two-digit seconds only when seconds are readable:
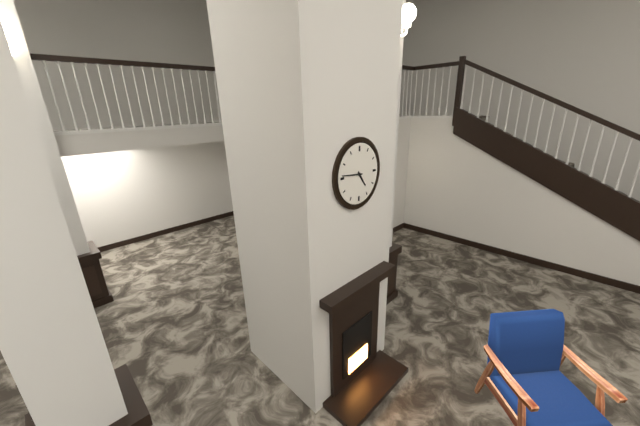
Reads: 4.46
